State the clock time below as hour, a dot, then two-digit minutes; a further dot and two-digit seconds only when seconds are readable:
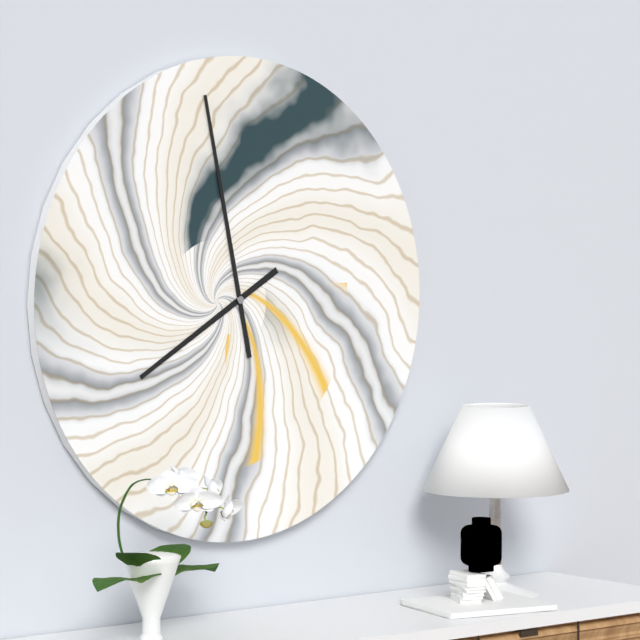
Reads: 7.58
